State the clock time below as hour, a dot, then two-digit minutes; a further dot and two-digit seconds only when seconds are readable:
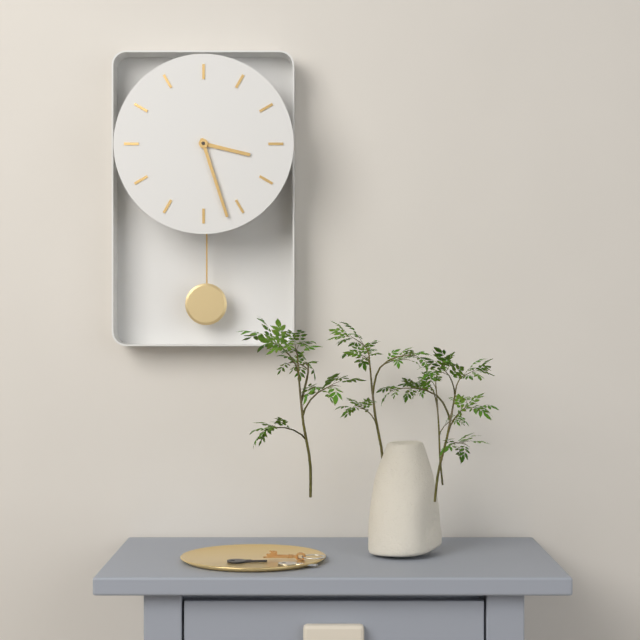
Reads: 3.27
